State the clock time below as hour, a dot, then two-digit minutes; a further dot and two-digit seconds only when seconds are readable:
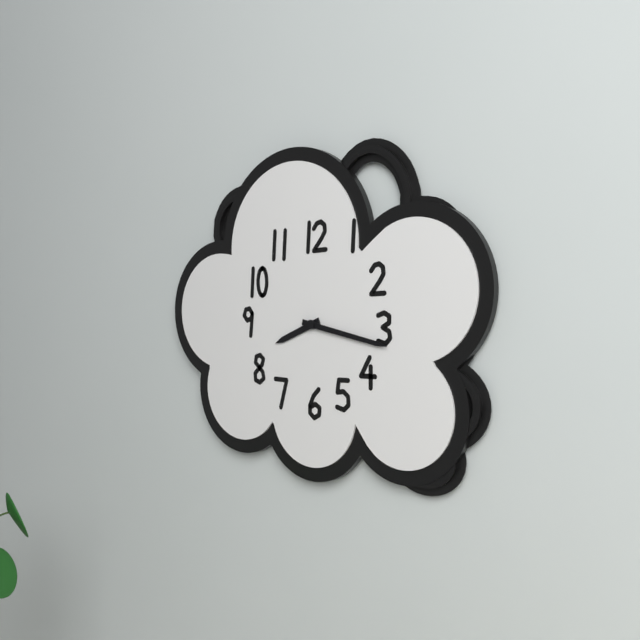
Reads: 8.17
